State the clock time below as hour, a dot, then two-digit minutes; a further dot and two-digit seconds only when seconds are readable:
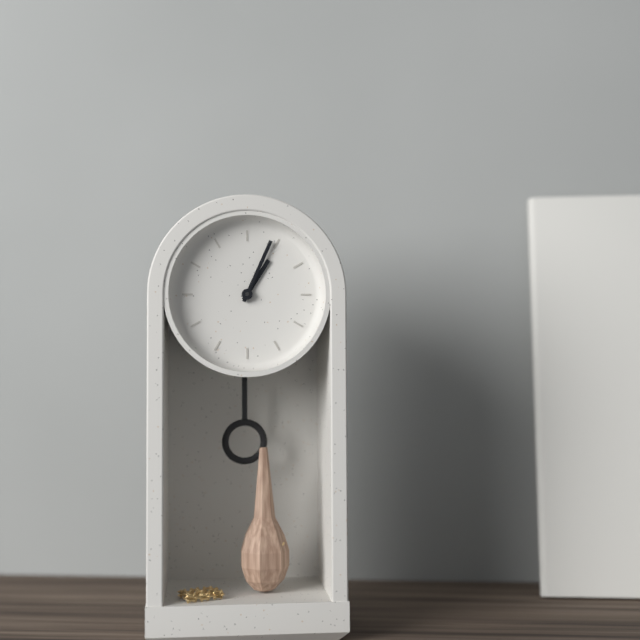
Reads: 1.04
